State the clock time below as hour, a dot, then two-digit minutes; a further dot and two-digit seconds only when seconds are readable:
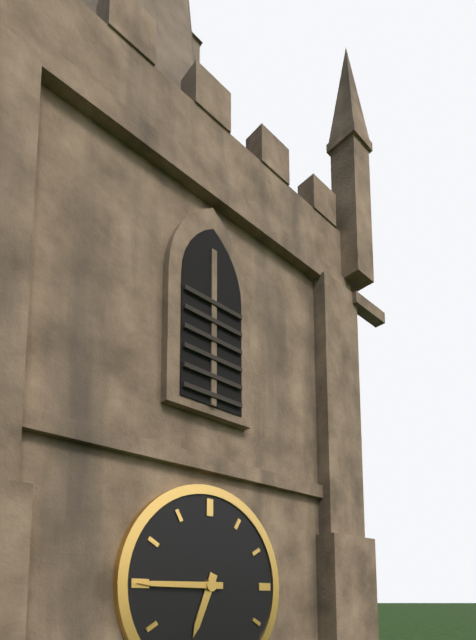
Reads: 6.45
